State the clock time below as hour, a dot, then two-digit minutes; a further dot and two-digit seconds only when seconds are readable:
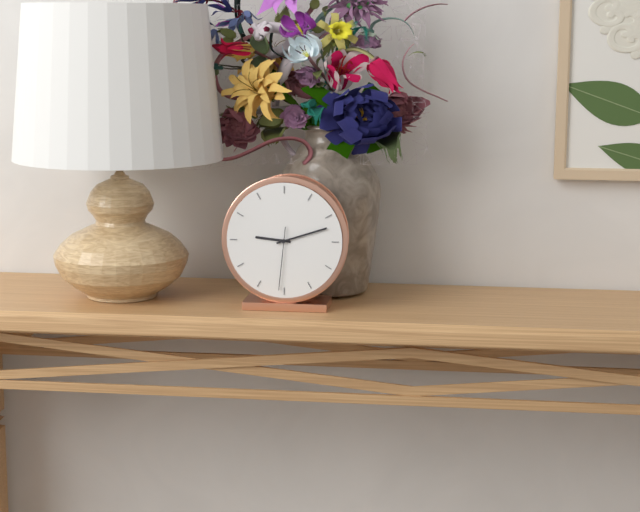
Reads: 9.12.31
